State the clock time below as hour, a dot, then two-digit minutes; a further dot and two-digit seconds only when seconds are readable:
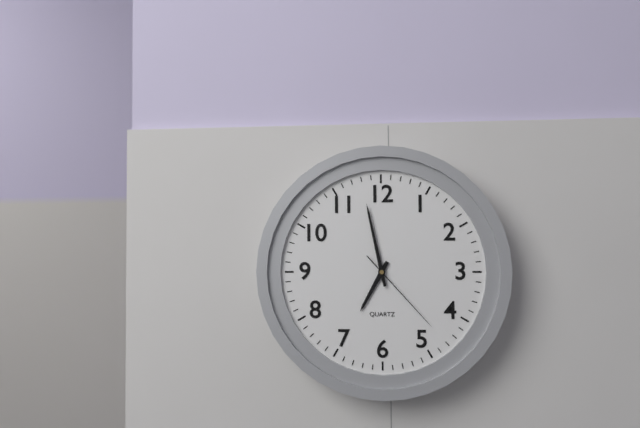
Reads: 6.58.23
